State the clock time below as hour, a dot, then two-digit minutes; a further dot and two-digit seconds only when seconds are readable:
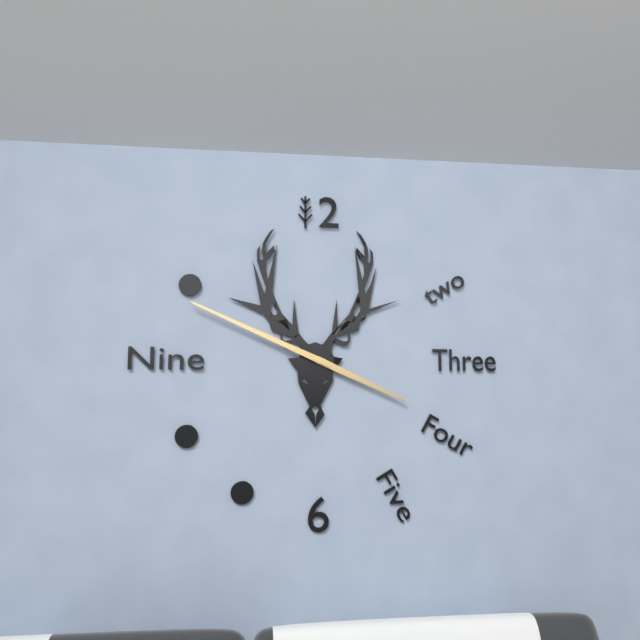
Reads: 3.49
